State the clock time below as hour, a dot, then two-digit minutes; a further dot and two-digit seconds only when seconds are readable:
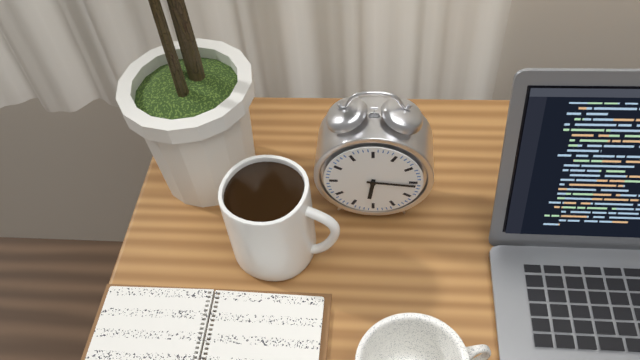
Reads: 6.16
